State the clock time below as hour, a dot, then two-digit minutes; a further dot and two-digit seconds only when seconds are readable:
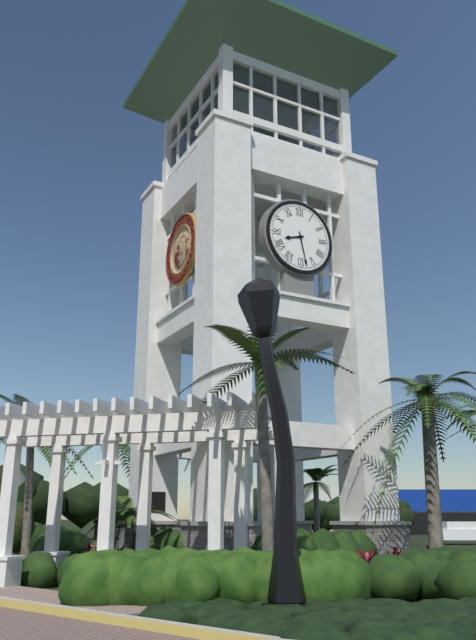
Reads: 8.28
